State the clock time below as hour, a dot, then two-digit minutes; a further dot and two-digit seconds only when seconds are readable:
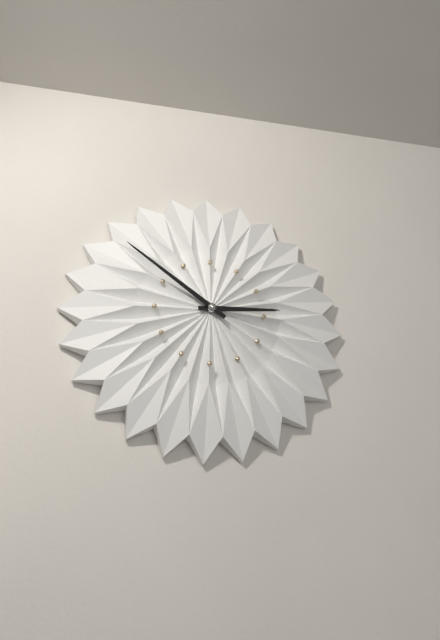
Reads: 2.51
